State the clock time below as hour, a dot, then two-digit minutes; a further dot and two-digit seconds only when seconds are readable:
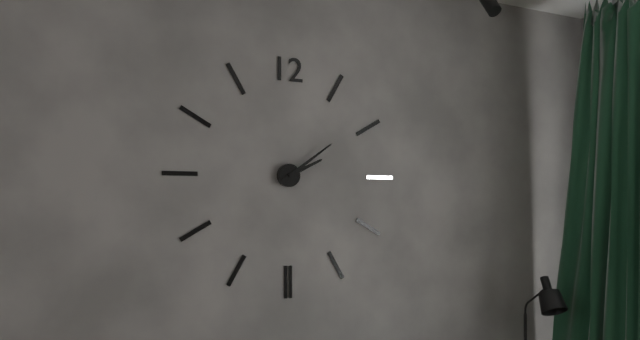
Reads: 2.09
